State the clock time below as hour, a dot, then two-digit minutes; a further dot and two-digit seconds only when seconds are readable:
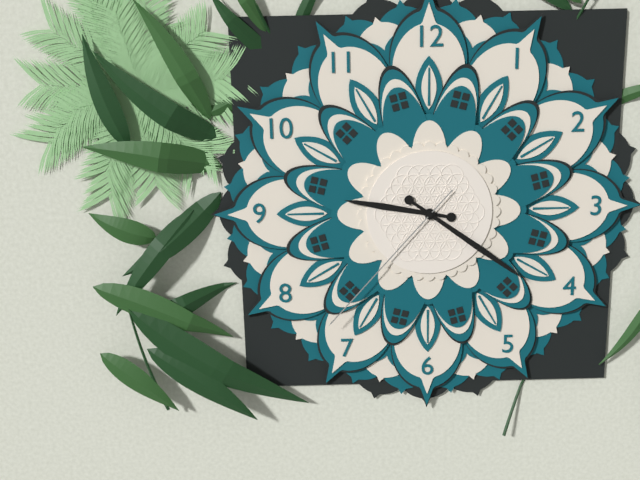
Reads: 9.21.37
